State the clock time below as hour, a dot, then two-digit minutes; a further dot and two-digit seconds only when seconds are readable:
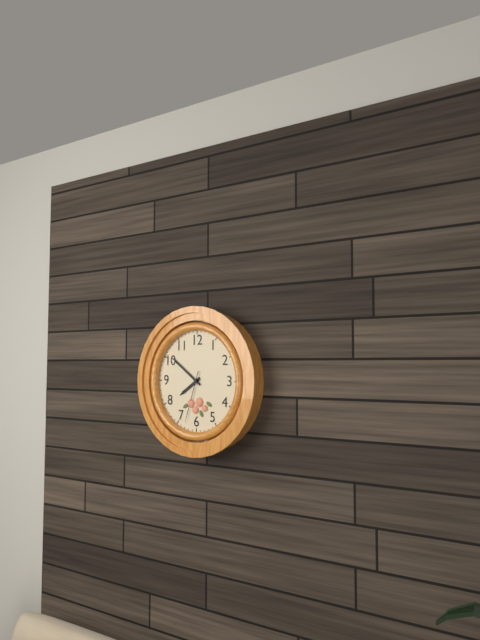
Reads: 7.51.33
